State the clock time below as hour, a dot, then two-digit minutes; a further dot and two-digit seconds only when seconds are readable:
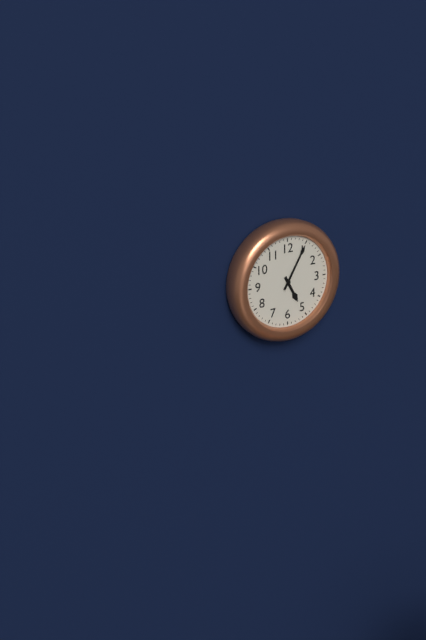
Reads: 5.05
